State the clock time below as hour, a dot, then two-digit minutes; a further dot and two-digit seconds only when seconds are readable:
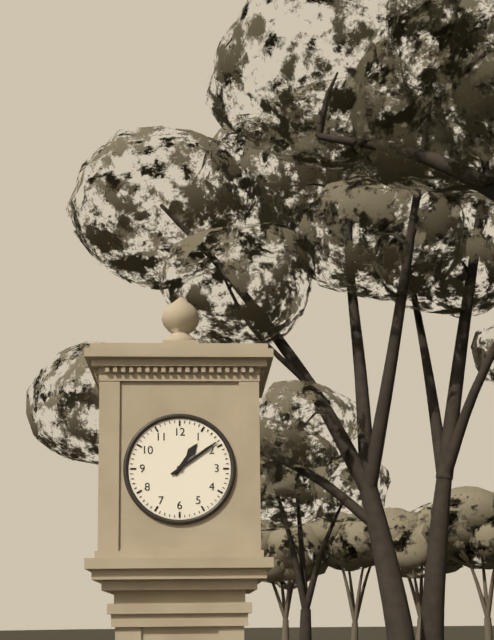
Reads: 1.09
